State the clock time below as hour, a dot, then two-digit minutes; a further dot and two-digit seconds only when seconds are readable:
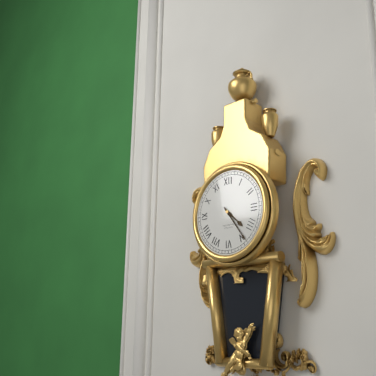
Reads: 4.24
